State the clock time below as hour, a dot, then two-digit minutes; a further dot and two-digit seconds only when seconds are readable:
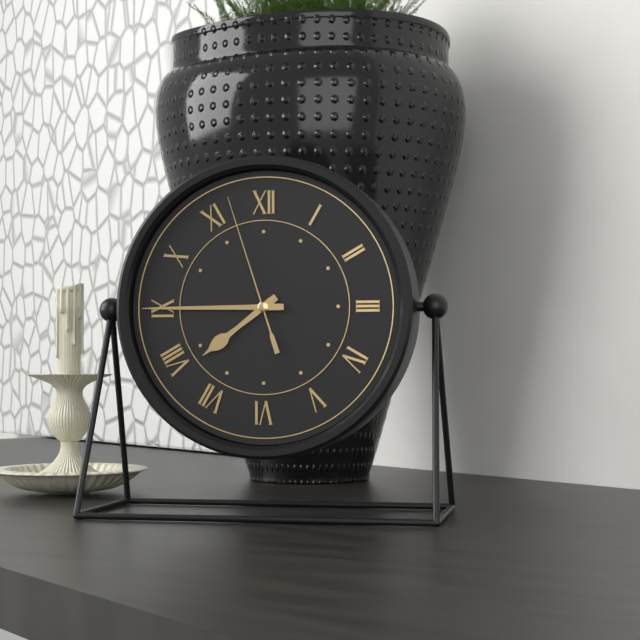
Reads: 7.45.57
